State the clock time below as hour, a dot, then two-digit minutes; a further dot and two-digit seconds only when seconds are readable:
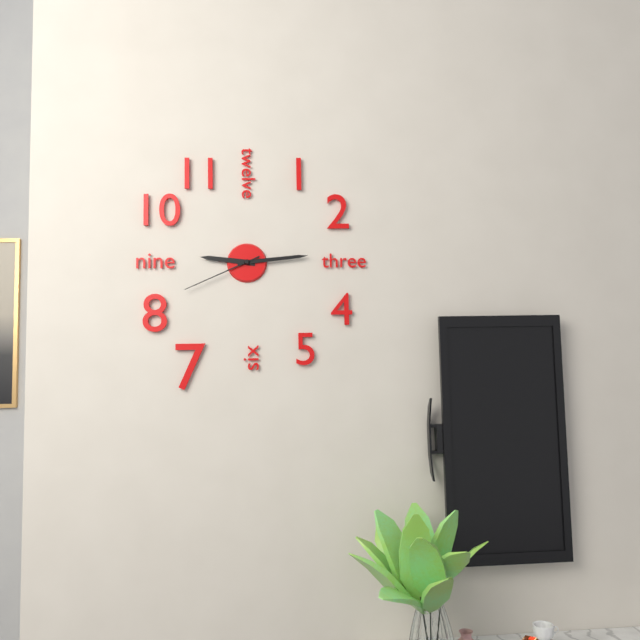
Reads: 9.14.41
